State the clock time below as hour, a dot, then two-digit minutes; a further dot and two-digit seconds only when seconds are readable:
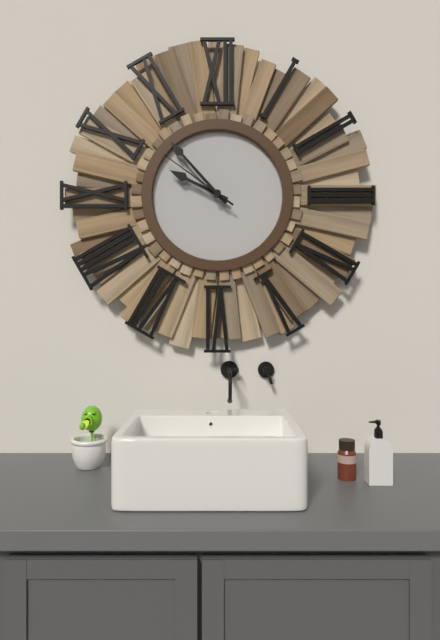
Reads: 9.53.51
